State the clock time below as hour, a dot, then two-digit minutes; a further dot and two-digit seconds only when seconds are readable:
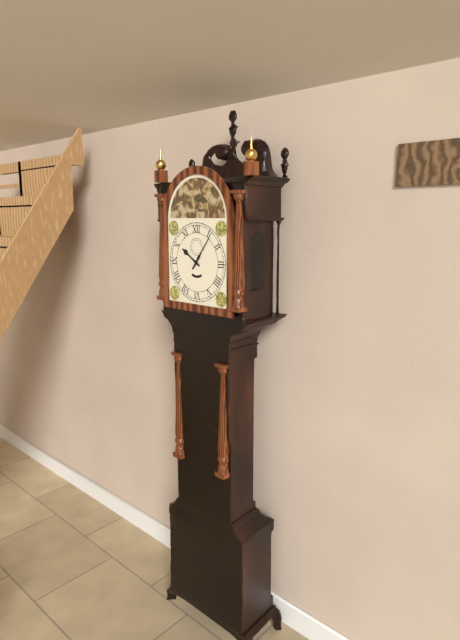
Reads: 10.06
